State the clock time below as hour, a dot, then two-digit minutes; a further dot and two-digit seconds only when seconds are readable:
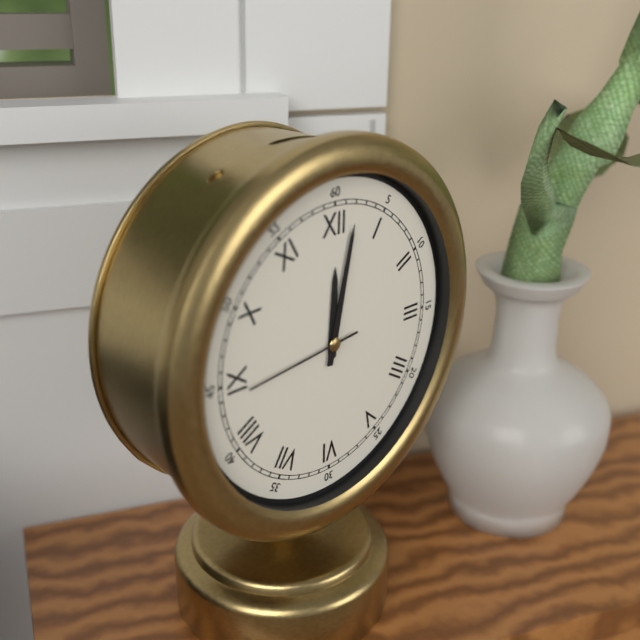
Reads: 12.02.44
